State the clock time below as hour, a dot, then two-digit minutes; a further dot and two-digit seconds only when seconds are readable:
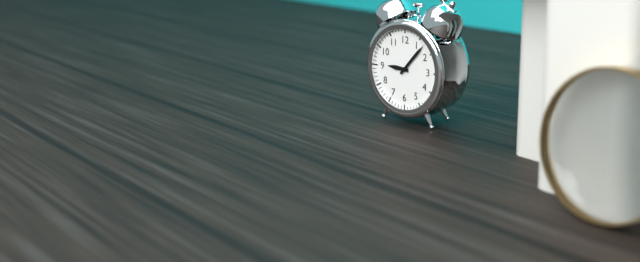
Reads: 9.07
